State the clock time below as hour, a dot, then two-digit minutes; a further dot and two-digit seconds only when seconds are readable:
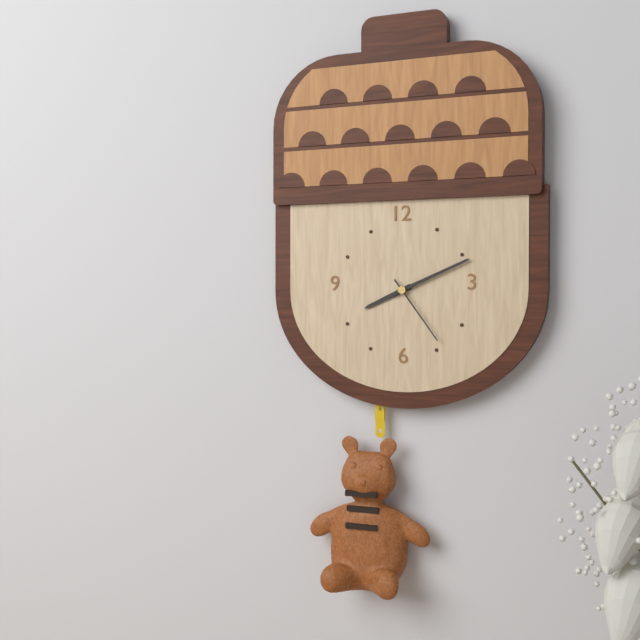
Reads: 8.11.24
